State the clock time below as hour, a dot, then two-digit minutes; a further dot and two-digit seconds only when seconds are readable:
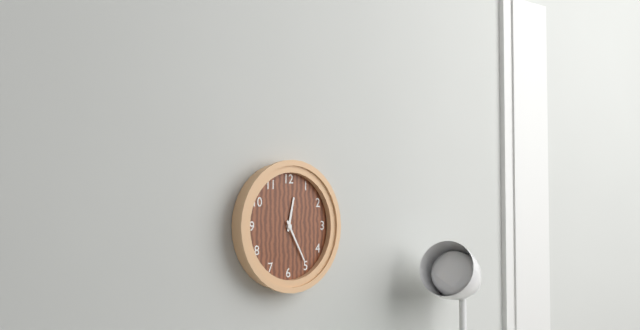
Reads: 12.25
